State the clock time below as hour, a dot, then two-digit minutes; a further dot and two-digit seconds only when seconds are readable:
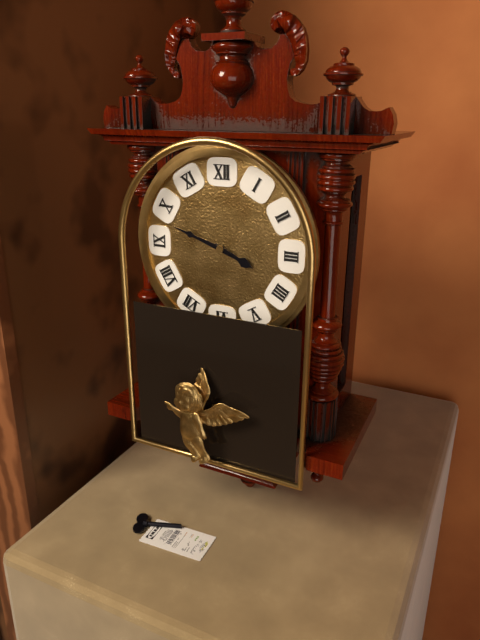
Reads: 3.48
